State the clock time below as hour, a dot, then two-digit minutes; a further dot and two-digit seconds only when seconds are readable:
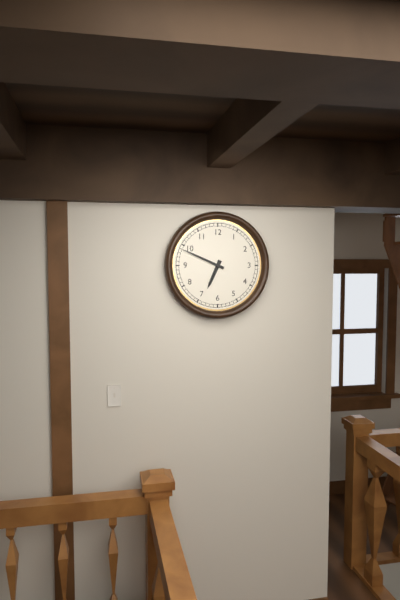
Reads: 6.49
